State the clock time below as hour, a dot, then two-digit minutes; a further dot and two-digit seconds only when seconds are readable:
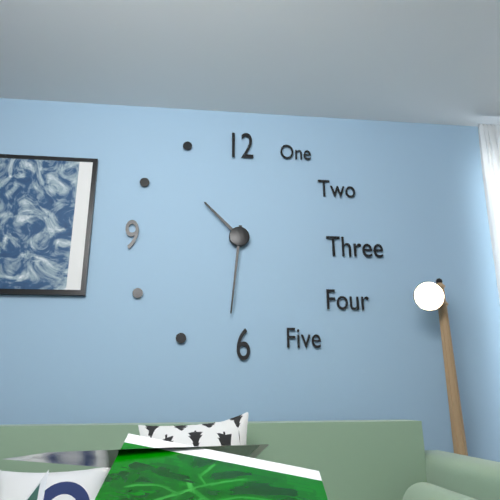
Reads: 10.31
